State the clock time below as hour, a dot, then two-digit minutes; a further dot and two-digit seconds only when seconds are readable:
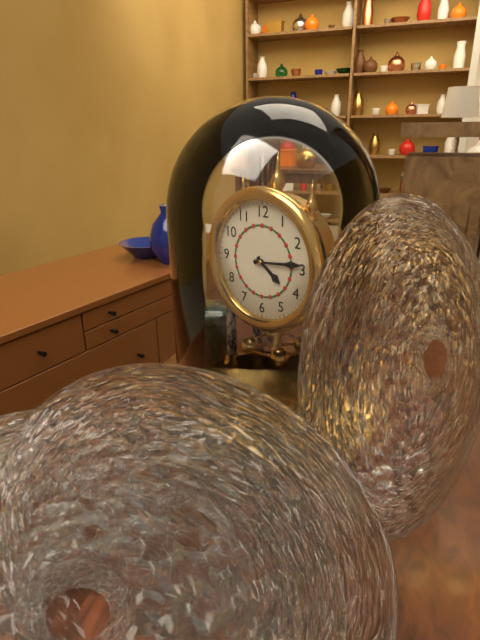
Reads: 4.14
